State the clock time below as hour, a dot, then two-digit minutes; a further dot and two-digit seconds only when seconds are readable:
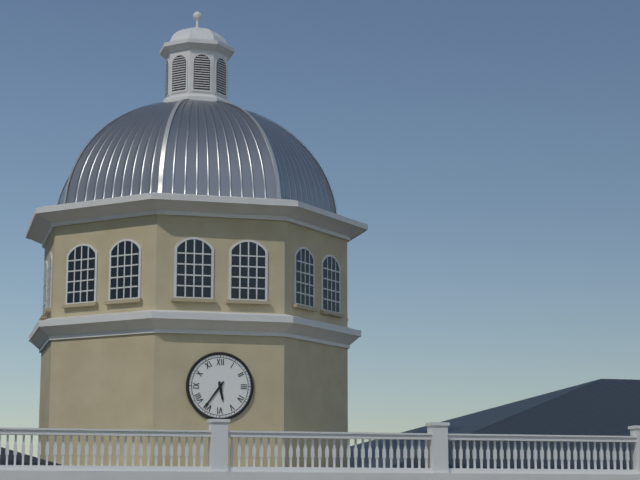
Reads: 5.36
